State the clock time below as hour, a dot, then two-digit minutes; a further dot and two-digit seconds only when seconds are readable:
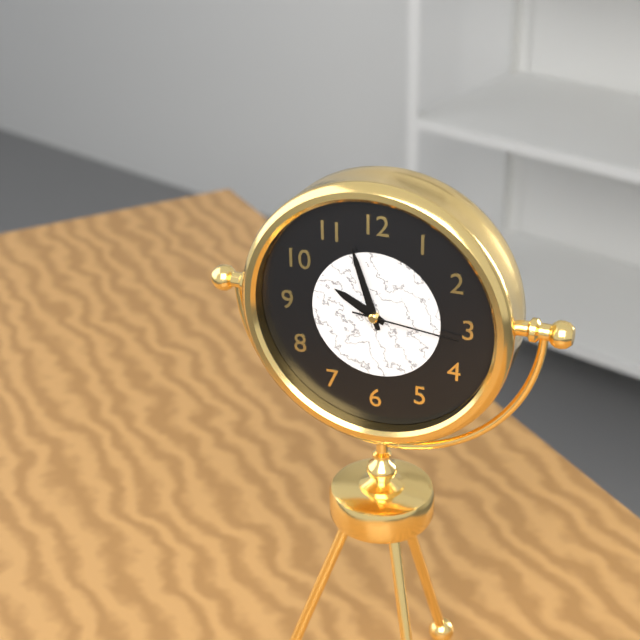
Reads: 9.57.16
